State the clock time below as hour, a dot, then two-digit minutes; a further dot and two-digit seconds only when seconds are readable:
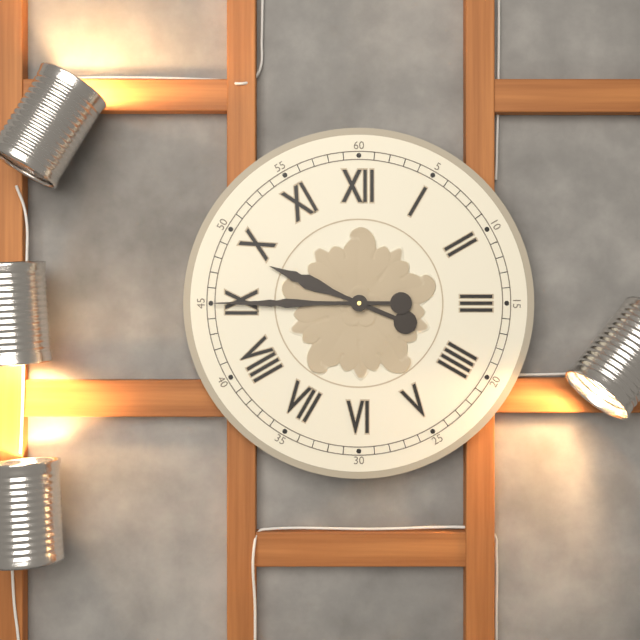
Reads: 9.45
